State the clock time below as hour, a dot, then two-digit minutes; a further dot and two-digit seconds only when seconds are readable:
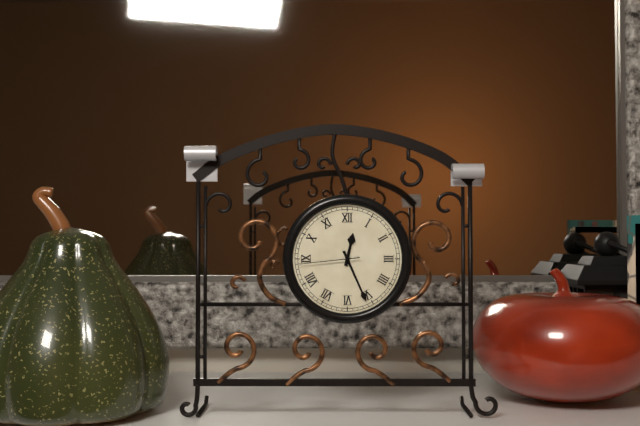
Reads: 12.26.44
